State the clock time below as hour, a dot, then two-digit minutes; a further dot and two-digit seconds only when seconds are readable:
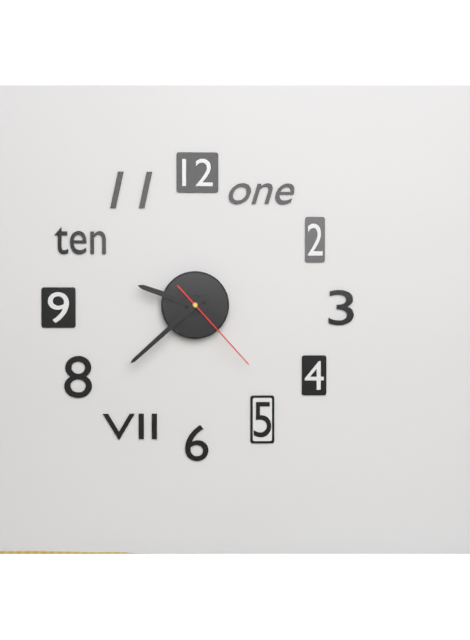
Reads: 9.38.23
